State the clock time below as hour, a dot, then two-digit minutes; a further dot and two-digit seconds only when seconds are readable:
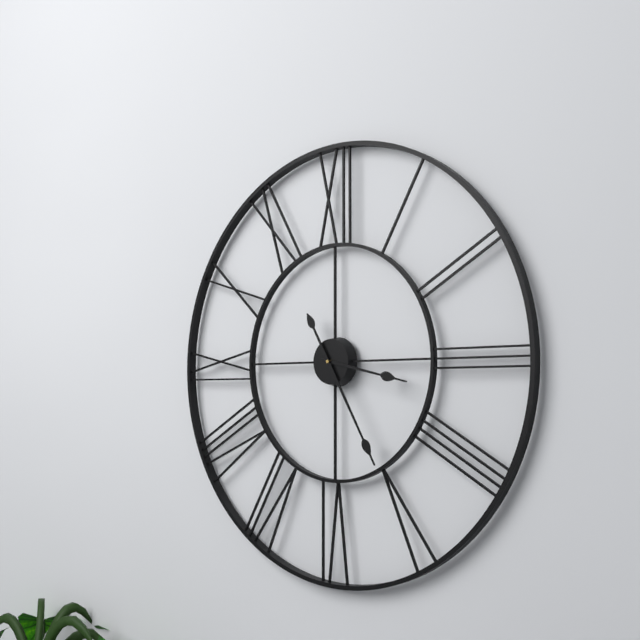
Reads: 3.25
